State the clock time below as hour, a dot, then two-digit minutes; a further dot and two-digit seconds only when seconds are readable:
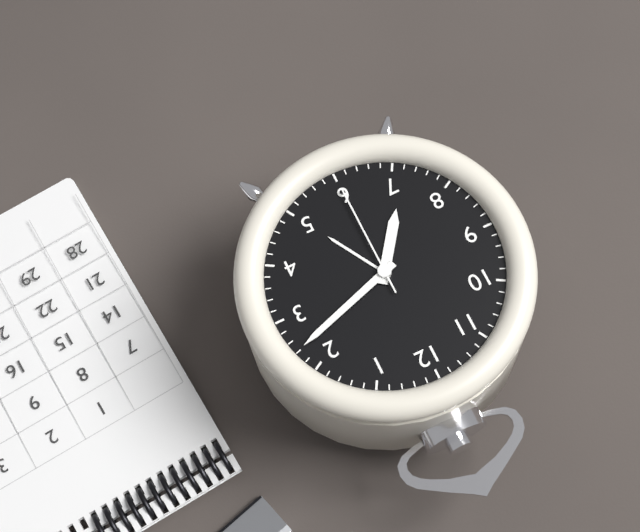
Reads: 7.12.30
